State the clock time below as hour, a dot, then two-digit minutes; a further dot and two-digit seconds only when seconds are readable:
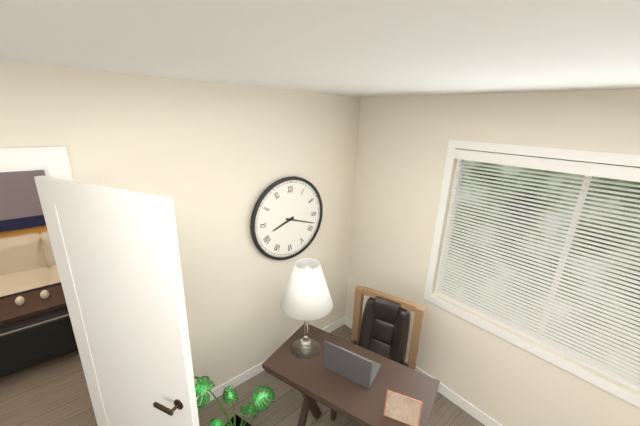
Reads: 8.18
